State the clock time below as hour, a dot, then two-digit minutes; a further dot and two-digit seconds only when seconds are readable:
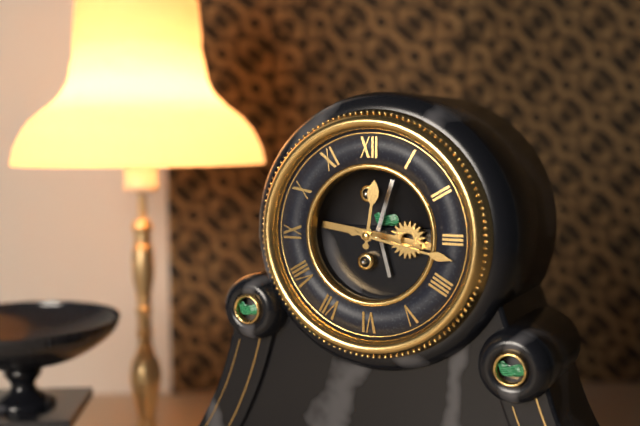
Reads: 12.17
